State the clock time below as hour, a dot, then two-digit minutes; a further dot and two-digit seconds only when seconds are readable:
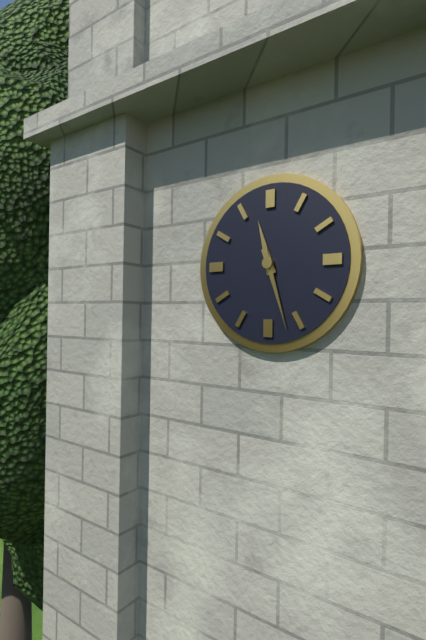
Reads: 11.27
